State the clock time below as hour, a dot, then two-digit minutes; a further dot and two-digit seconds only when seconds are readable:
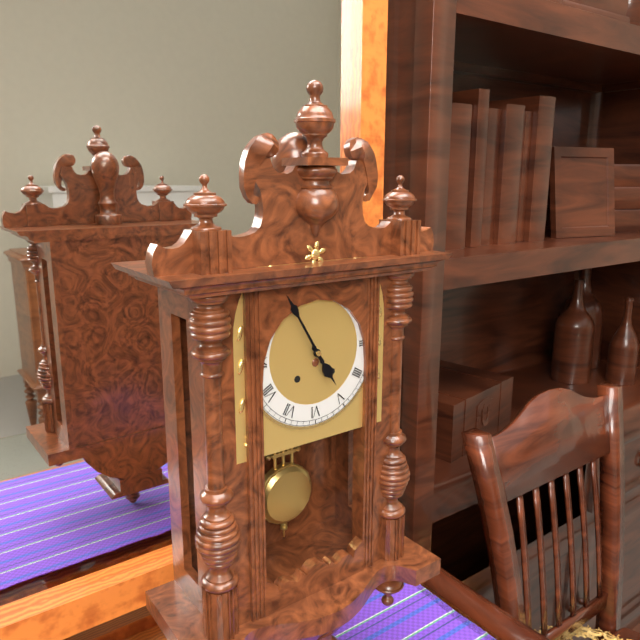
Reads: 4.55
